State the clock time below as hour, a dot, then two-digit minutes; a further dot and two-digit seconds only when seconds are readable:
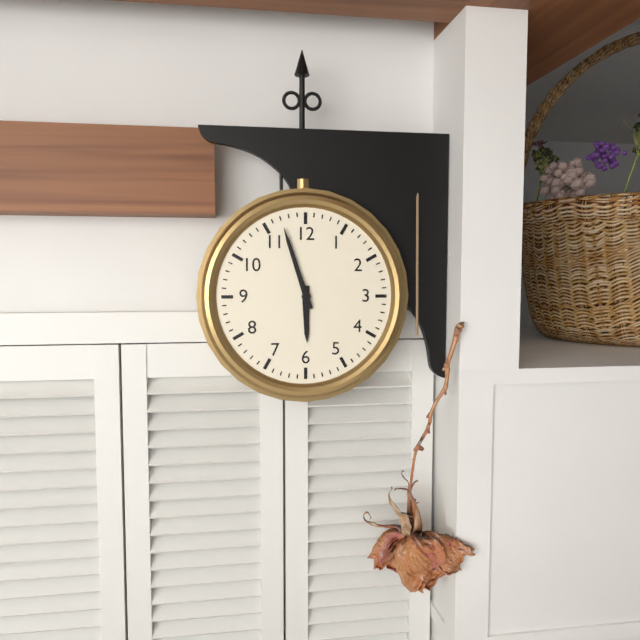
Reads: 5.57
